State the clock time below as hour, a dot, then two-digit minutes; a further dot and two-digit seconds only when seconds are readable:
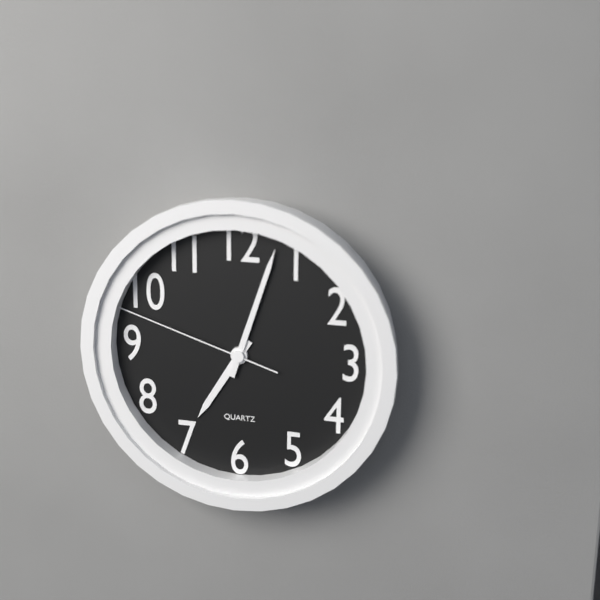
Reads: 7.03.48
